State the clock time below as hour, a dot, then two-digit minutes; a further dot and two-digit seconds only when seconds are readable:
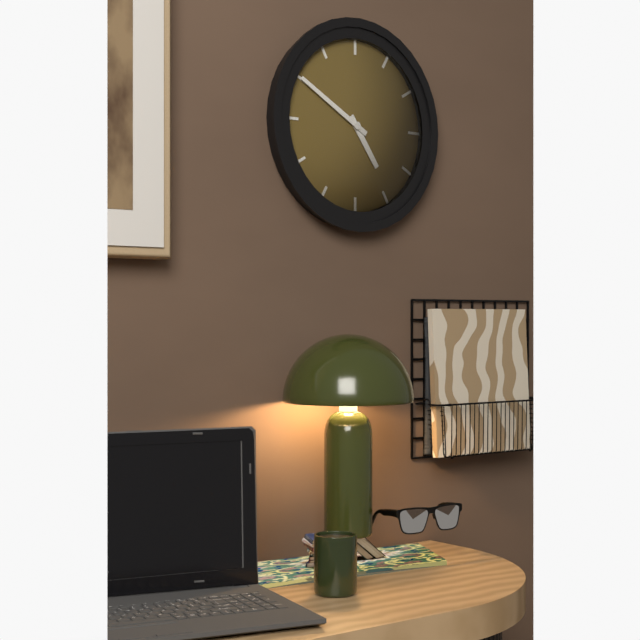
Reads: 4.50
